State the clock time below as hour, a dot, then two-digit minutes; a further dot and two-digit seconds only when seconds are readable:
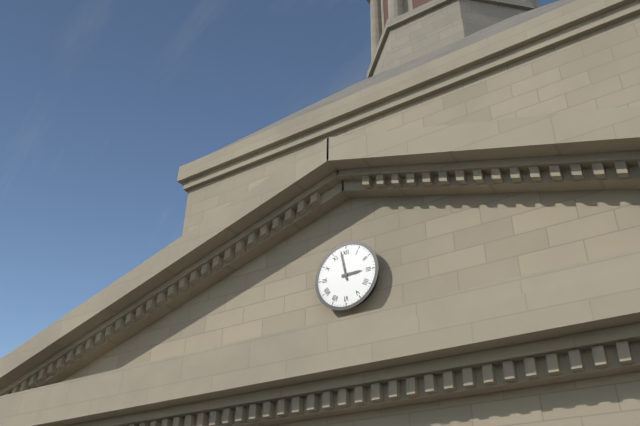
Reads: 2.58
